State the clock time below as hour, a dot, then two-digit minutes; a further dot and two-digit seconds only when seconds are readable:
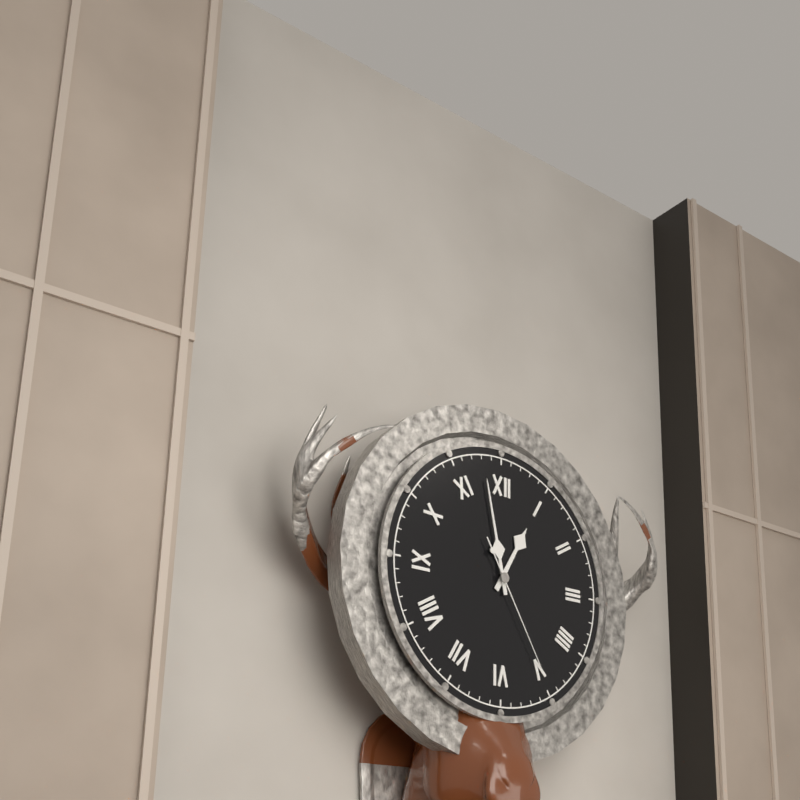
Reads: 12.58.25
